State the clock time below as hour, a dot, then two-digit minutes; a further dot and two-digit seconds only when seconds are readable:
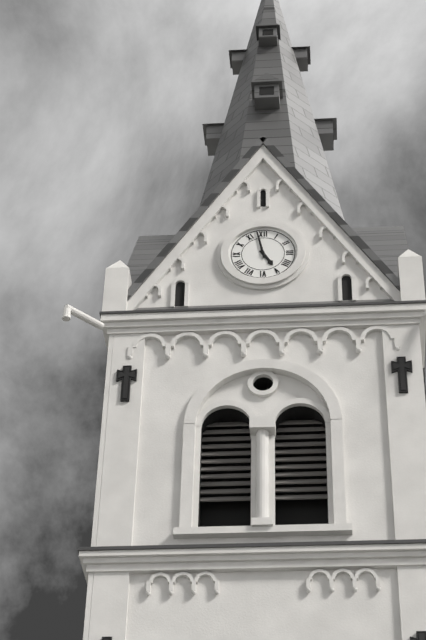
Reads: 4.58
